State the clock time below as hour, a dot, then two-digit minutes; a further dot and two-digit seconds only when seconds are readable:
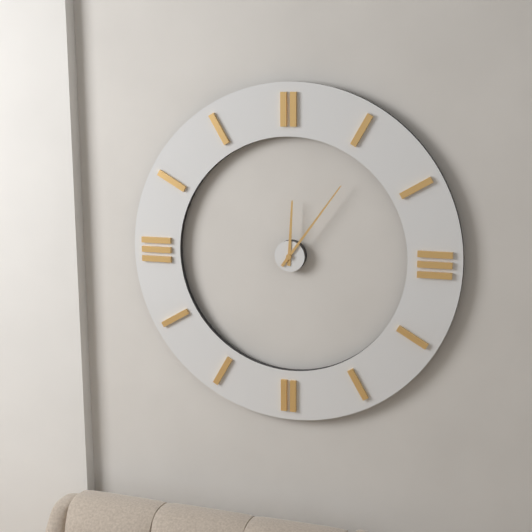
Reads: 12.06
